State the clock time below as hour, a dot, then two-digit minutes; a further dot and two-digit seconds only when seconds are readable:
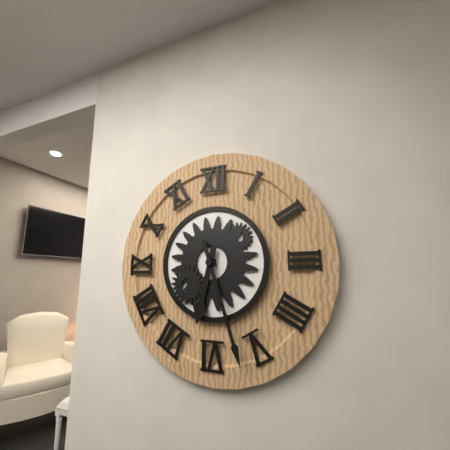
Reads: 6.27
